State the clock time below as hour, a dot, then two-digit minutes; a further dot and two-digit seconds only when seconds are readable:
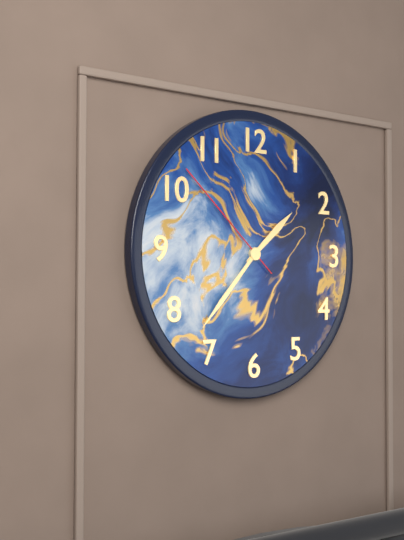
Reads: 1.37.52
